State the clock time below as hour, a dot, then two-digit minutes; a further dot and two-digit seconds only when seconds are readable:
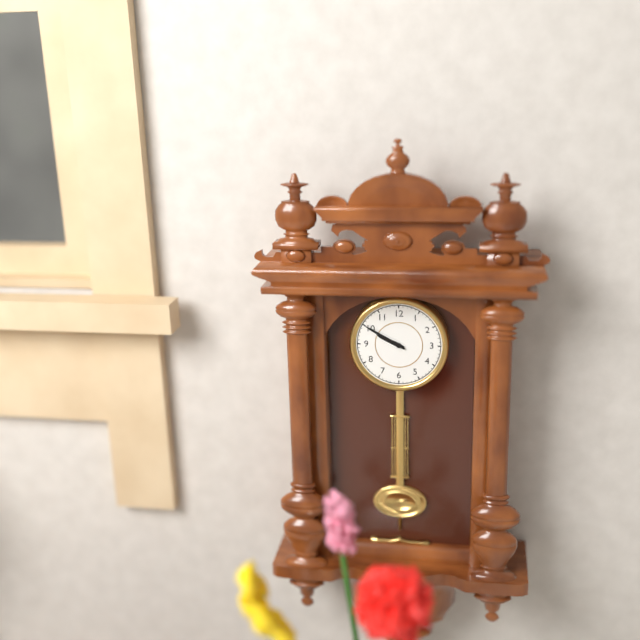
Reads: 9.50
